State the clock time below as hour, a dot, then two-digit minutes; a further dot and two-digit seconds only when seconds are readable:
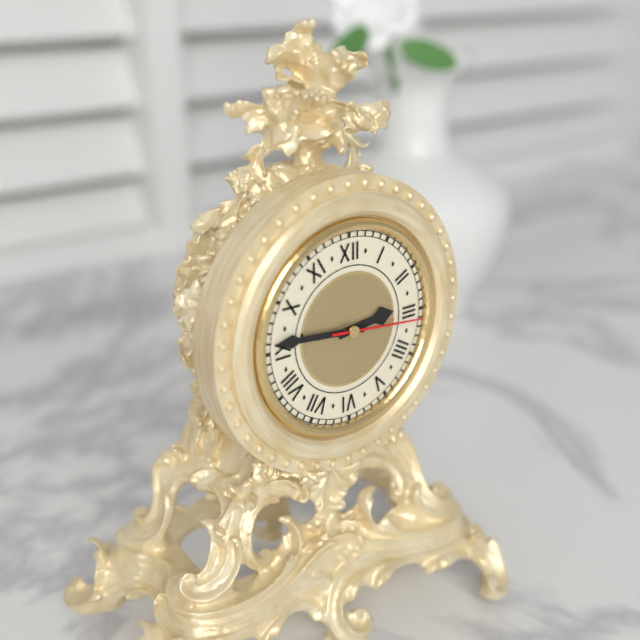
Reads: 2.46.16
